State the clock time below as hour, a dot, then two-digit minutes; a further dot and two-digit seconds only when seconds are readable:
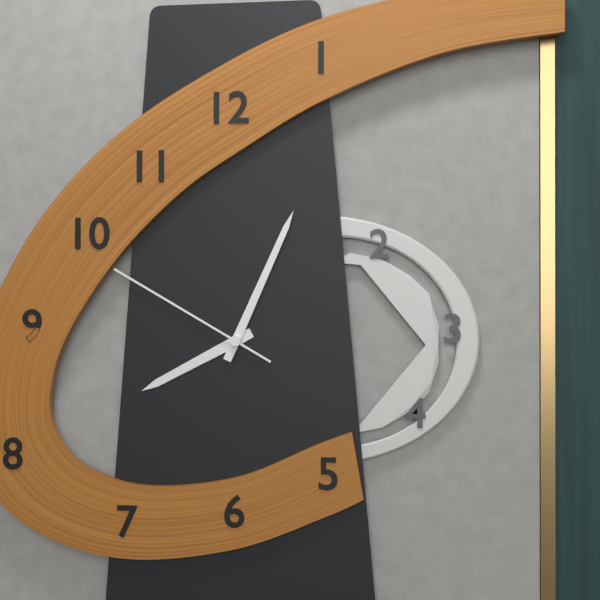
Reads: 8.04.50
